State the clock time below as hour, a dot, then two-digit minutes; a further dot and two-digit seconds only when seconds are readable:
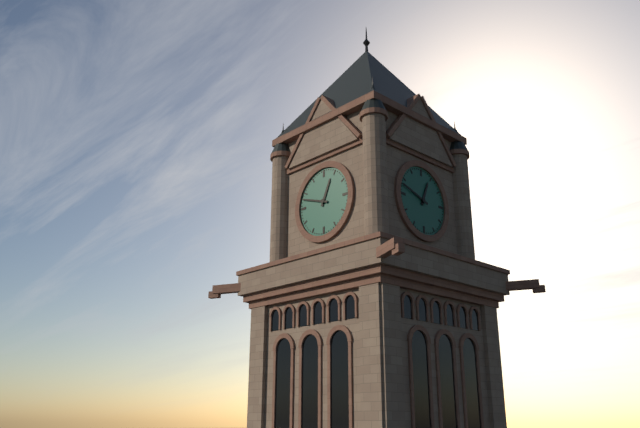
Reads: 12.48
